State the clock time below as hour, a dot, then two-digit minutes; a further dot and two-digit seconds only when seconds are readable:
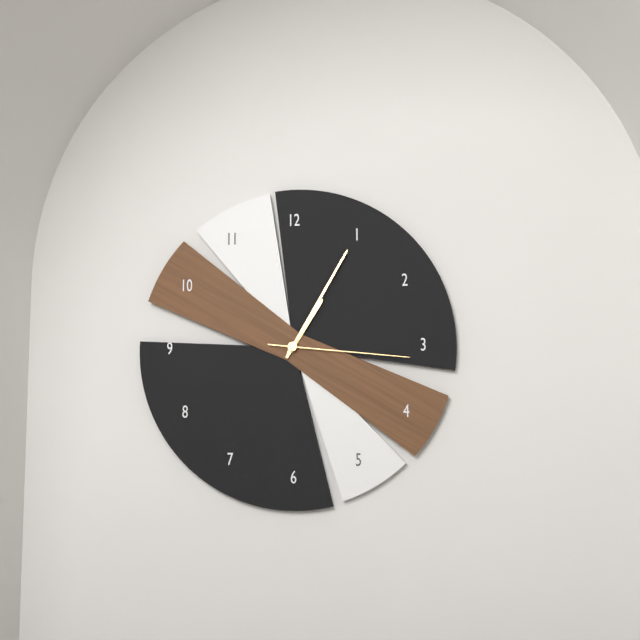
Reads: 1.05.16
